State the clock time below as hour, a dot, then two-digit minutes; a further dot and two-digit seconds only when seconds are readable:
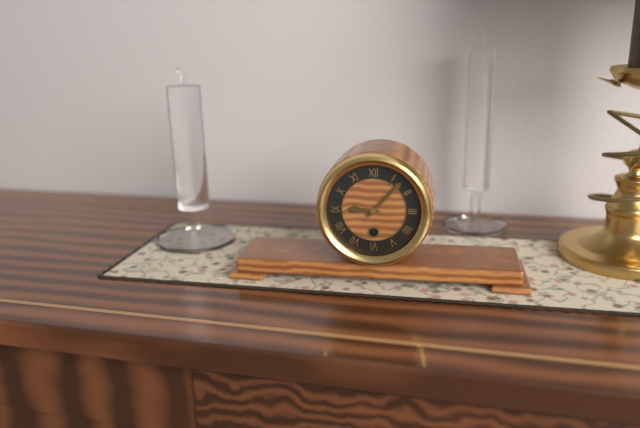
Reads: 9.07
